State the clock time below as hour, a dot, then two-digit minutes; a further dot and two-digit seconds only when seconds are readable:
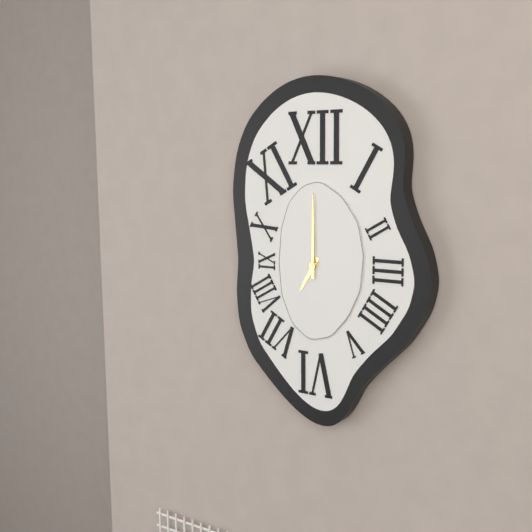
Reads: 7.00
